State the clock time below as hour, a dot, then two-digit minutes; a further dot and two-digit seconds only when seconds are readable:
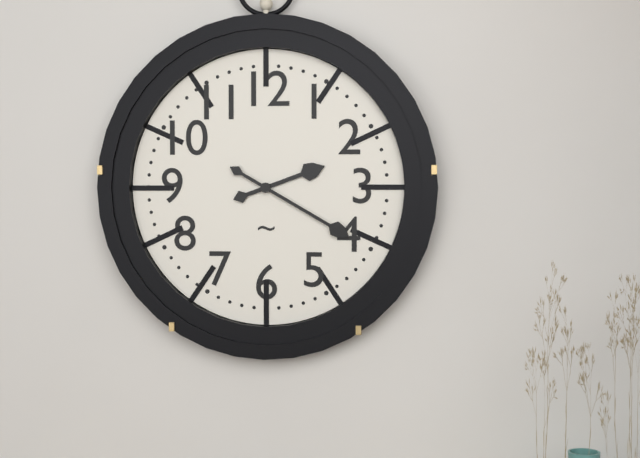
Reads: 2.20
